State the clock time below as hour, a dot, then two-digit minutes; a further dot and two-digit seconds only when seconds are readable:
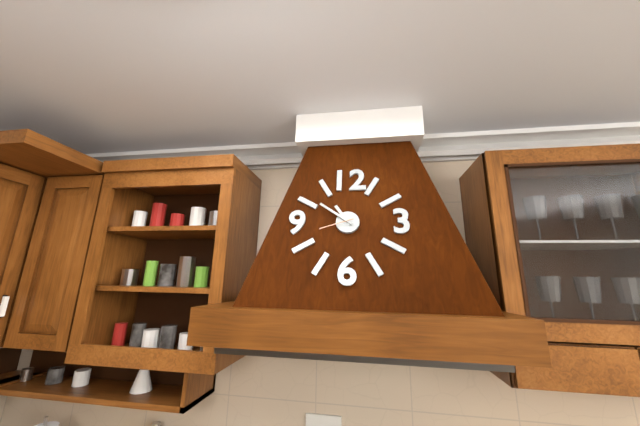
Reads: 10.51
